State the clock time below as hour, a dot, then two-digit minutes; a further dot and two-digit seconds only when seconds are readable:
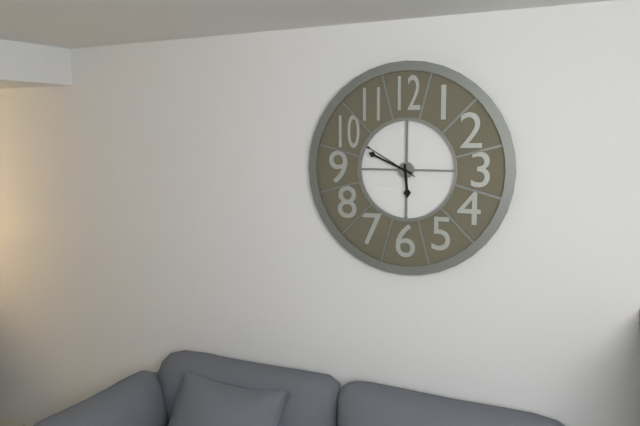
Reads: 5.49.50
